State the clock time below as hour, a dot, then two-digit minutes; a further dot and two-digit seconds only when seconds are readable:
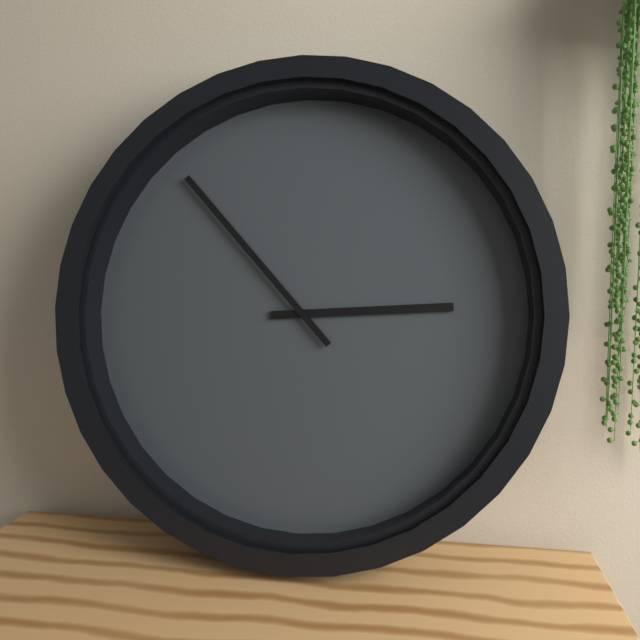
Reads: 2.53
